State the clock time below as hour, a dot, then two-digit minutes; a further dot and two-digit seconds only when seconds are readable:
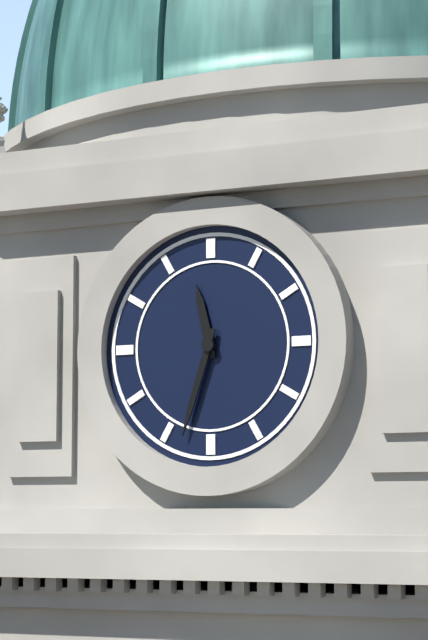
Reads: 11.33
